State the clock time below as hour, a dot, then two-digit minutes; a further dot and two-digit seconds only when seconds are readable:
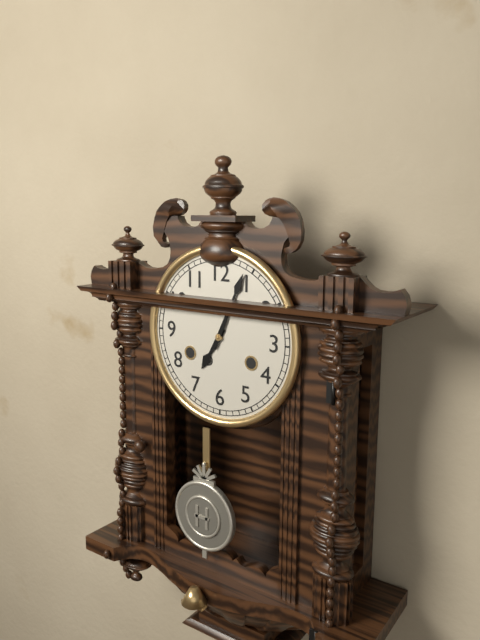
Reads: 7.04
